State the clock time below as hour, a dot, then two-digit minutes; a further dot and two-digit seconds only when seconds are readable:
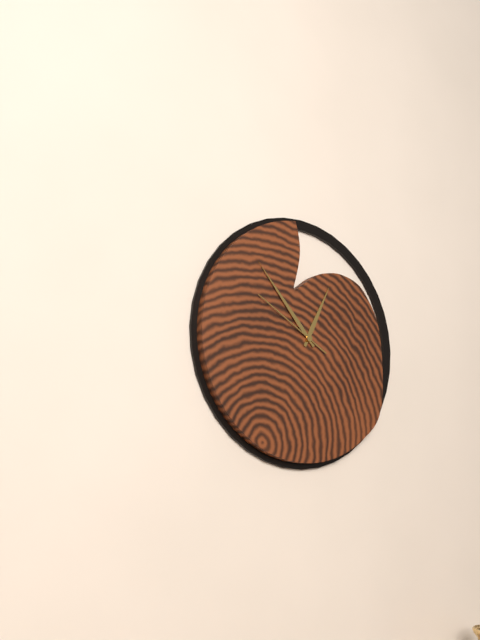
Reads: 12.53.50
